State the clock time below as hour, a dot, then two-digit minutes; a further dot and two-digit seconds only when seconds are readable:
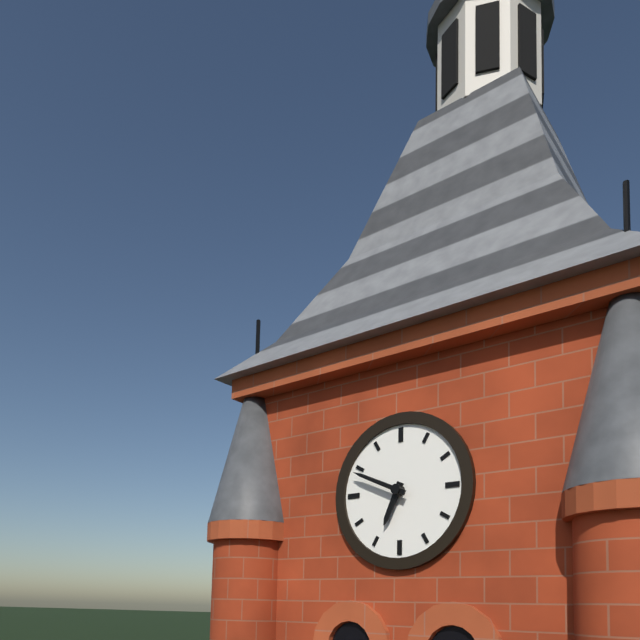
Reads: 6.49
